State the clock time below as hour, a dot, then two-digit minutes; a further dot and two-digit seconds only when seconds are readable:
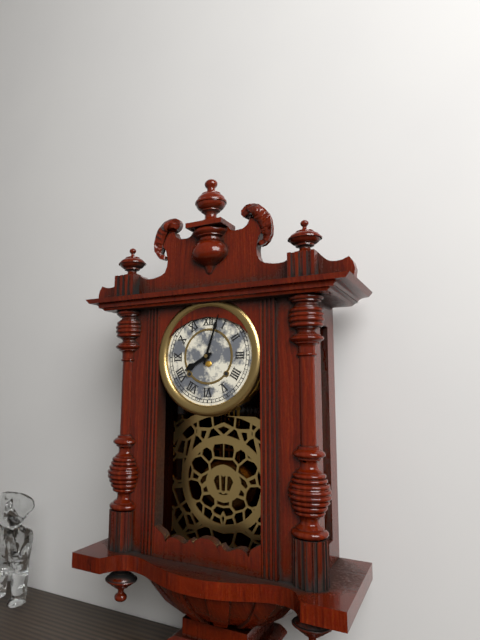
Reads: 8.03
